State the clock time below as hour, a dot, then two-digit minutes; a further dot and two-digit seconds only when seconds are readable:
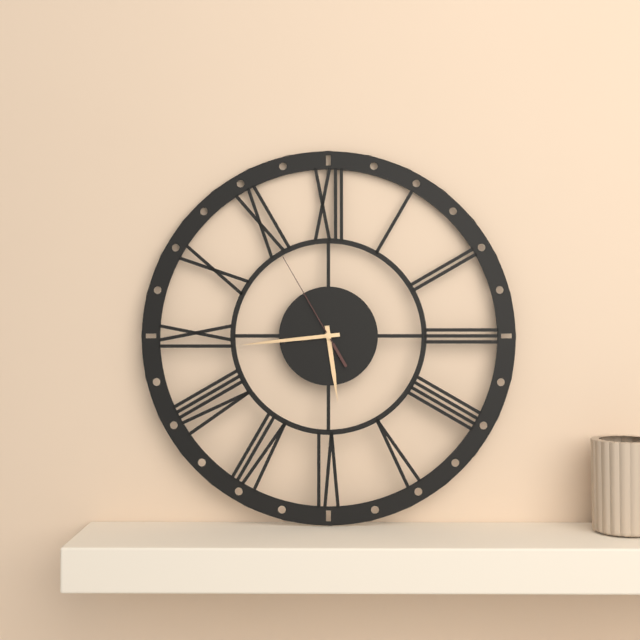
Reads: 5.44.55
